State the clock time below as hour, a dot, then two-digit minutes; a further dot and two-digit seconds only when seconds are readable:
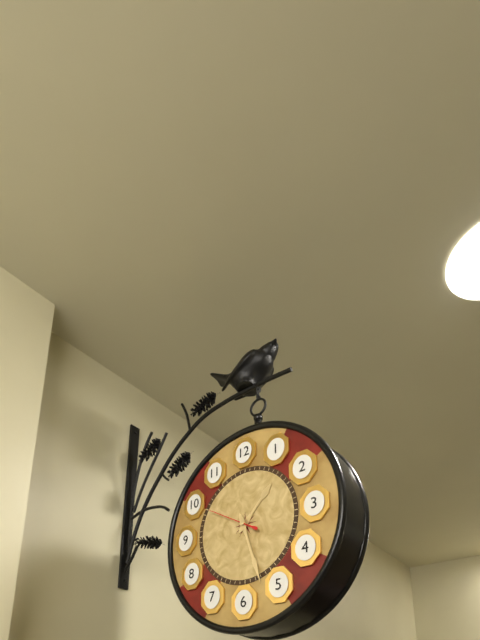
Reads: 1.27
